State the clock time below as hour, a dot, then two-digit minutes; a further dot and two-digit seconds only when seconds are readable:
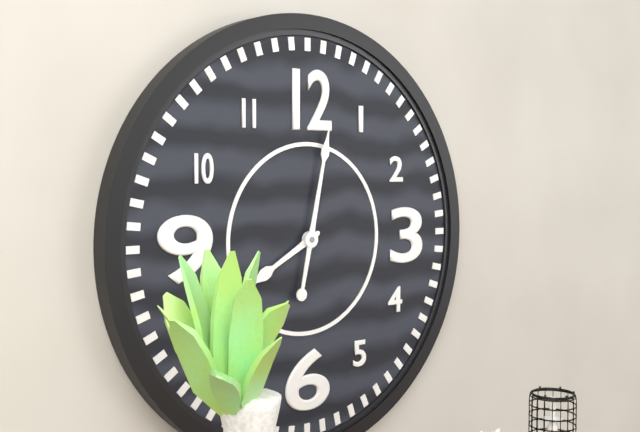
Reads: 8.02
